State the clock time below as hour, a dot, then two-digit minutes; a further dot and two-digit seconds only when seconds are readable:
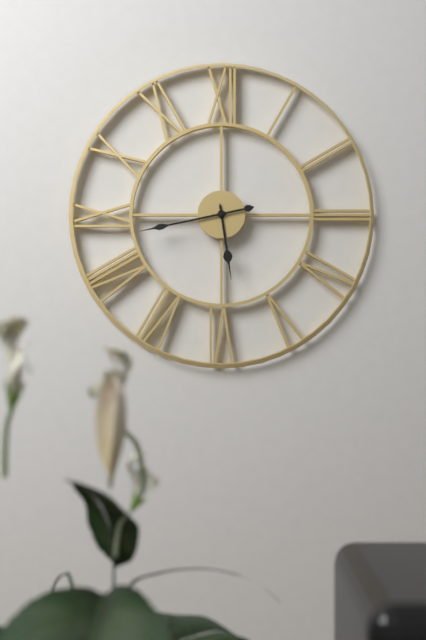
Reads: 5.43
